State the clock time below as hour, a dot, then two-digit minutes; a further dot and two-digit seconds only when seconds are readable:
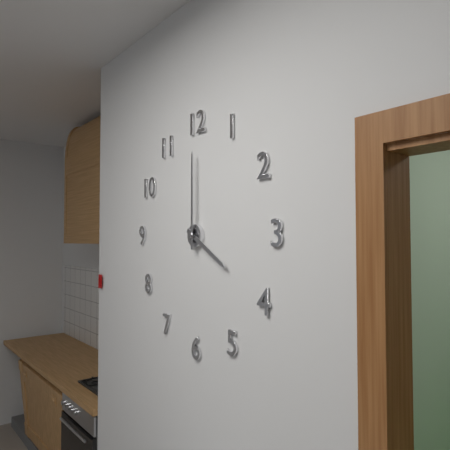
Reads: 4.00
